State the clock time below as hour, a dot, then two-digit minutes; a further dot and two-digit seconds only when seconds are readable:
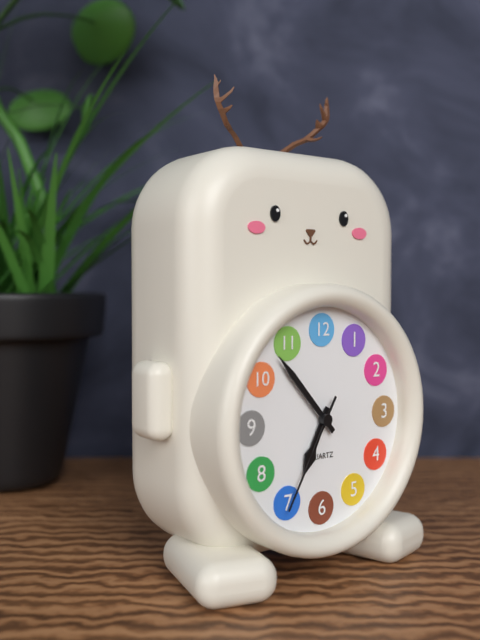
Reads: 6.53.35
